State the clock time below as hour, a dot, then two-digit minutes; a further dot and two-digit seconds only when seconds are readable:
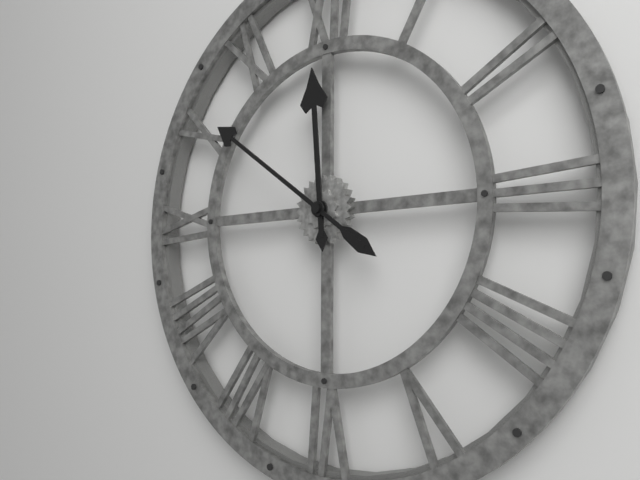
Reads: 11.51
